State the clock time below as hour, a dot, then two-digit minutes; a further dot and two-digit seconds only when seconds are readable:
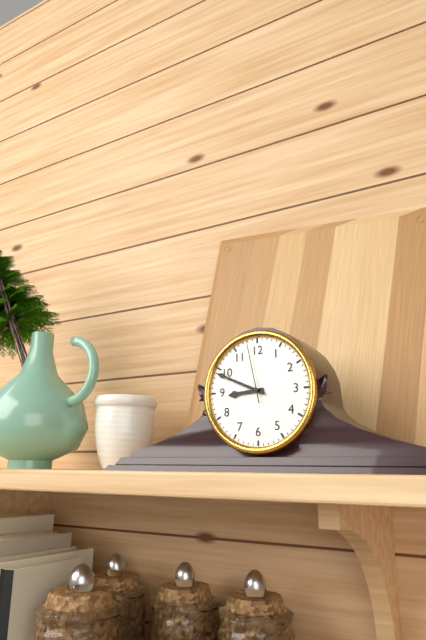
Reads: 8.49.58
